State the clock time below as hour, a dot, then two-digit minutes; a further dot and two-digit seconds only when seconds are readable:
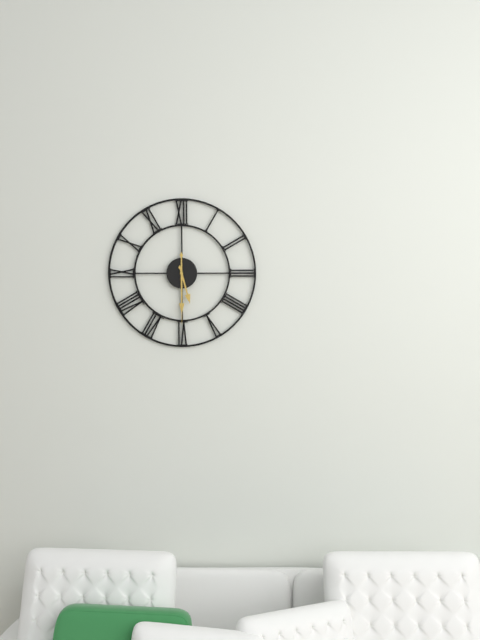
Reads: 5.30
